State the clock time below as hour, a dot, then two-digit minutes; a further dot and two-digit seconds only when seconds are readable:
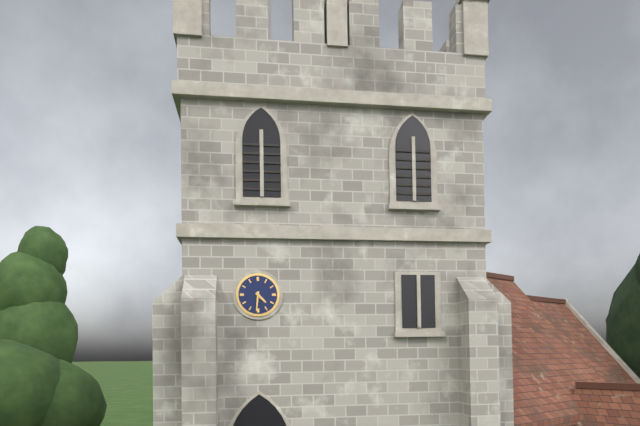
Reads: 4.31
